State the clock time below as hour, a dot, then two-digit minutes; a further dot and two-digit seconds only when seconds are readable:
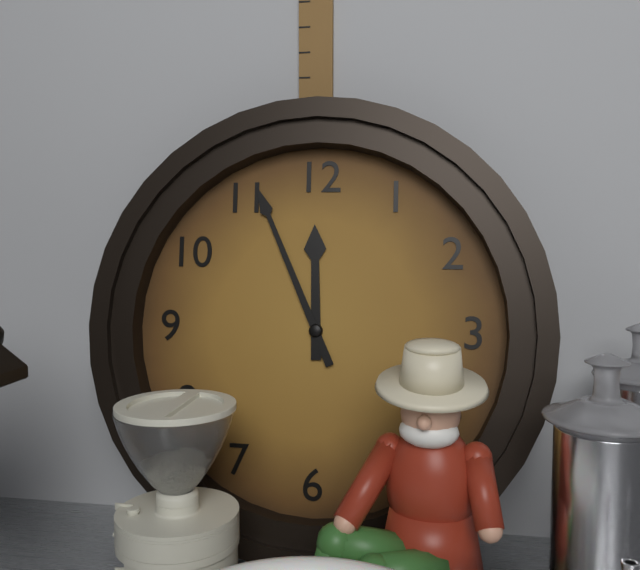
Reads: 11.56
